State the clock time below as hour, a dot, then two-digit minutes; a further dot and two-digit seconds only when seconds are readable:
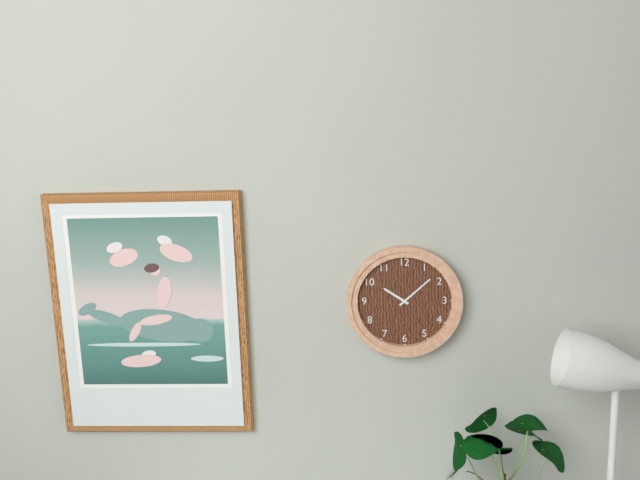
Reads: 10.08
